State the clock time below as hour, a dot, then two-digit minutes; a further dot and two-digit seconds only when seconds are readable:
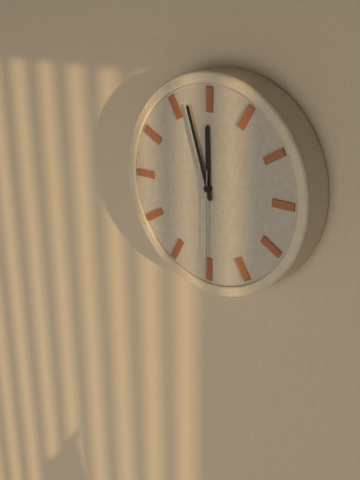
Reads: 11.57.30
